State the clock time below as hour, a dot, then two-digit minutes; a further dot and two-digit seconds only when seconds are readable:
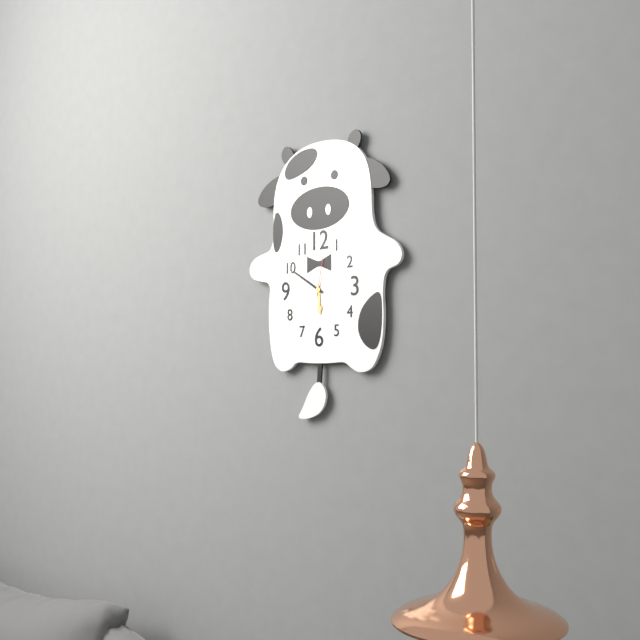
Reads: 5.50
